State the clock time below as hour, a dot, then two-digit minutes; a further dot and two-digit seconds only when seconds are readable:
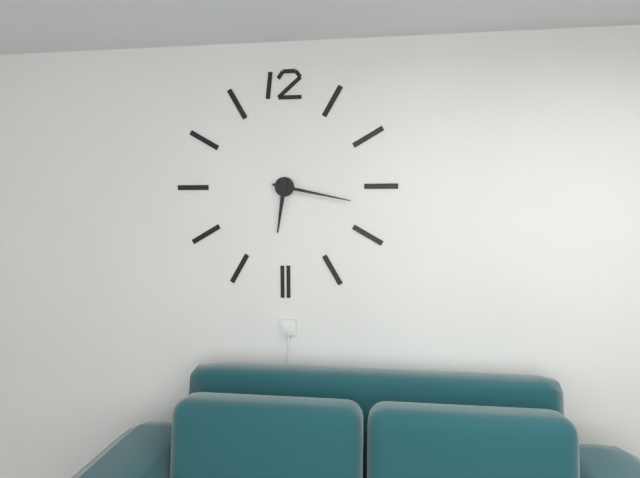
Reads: 6.17
